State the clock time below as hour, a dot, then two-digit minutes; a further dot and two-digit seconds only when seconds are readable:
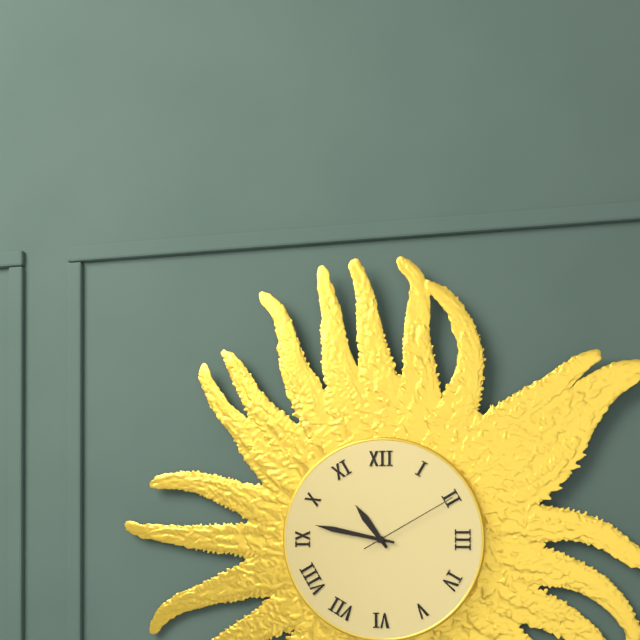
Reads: 10.47.10
